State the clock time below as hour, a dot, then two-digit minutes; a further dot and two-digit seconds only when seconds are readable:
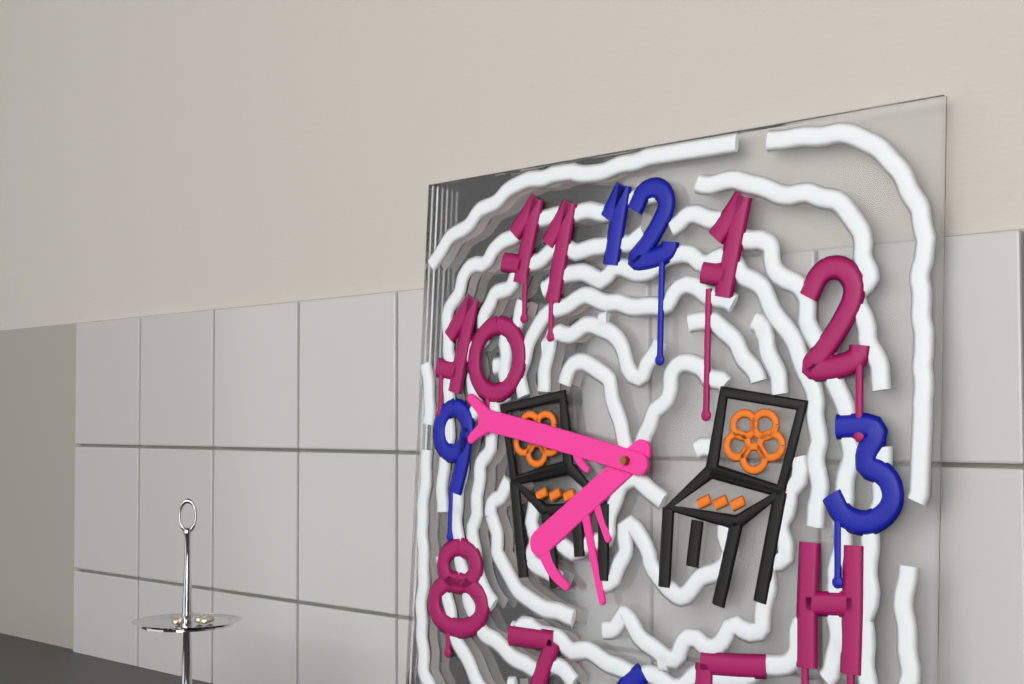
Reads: 7.47
